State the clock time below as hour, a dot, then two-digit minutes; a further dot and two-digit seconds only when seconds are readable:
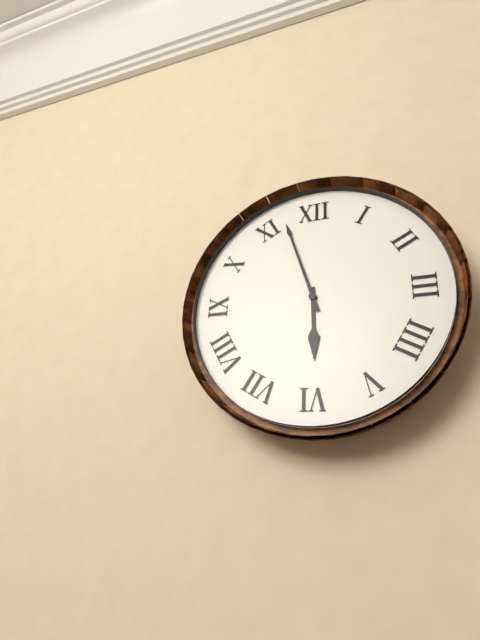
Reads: 5.57
